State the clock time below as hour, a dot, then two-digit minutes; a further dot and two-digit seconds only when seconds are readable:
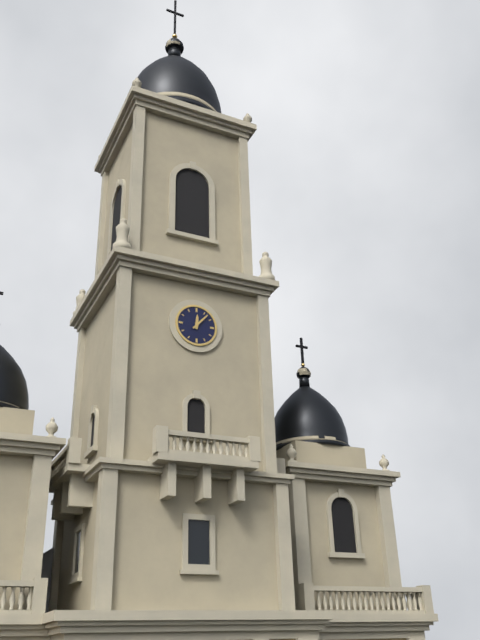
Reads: 12.07
